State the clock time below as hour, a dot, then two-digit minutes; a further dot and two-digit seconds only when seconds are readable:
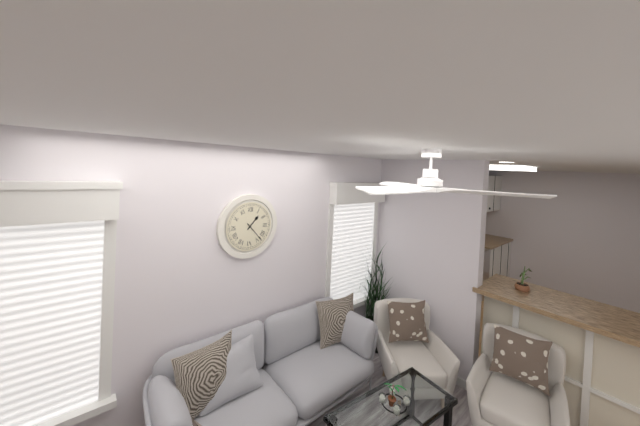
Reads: 1.23
